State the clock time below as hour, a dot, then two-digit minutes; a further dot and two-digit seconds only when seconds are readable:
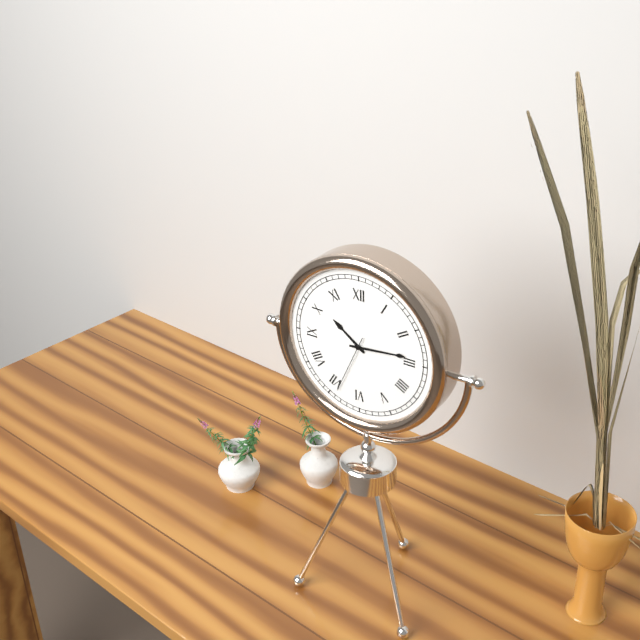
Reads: 10.14.34
